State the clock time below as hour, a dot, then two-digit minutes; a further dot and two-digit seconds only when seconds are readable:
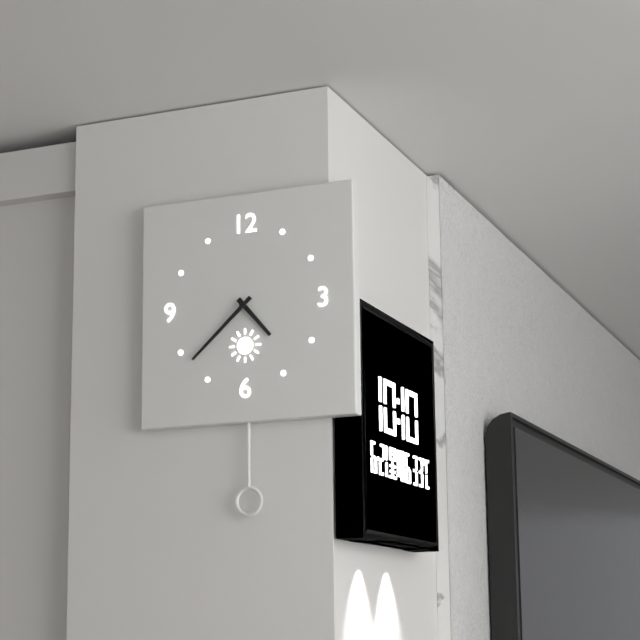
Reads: 4.38
